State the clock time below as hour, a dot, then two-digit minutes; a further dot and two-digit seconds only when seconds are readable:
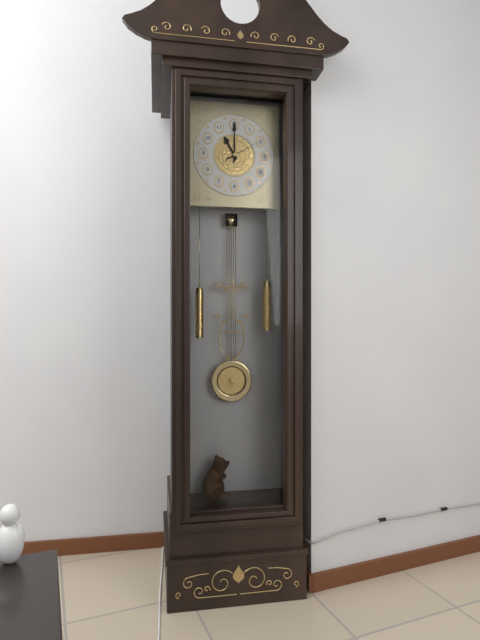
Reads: 11.00
